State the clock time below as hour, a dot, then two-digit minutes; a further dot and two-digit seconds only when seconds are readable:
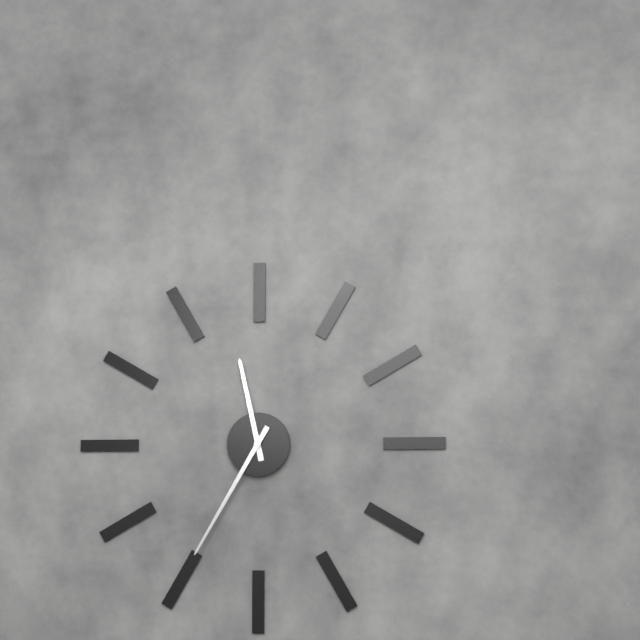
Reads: 11.35
